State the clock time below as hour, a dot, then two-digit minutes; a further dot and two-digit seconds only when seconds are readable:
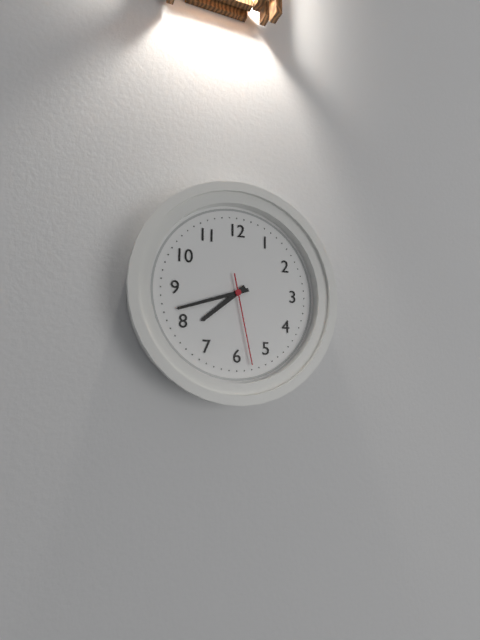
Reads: 7.42.28
